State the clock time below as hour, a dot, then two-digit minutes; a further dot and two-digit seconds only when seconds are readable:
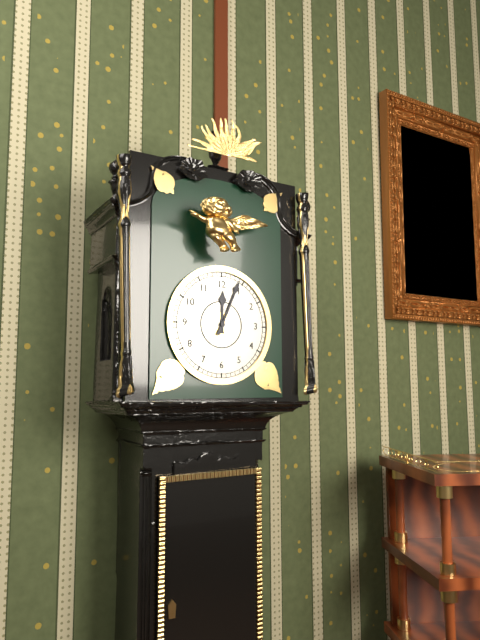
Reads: 12.04
